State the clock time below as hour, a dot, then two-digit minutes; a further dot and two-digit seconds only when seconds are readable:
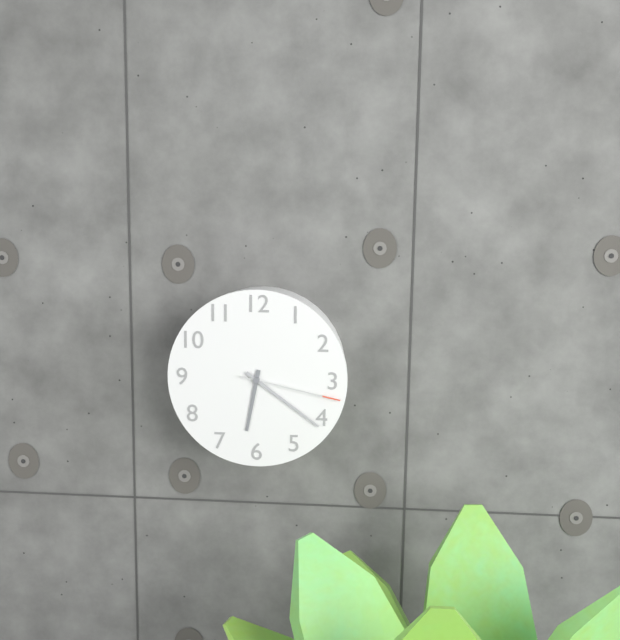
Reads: 6.21.17
